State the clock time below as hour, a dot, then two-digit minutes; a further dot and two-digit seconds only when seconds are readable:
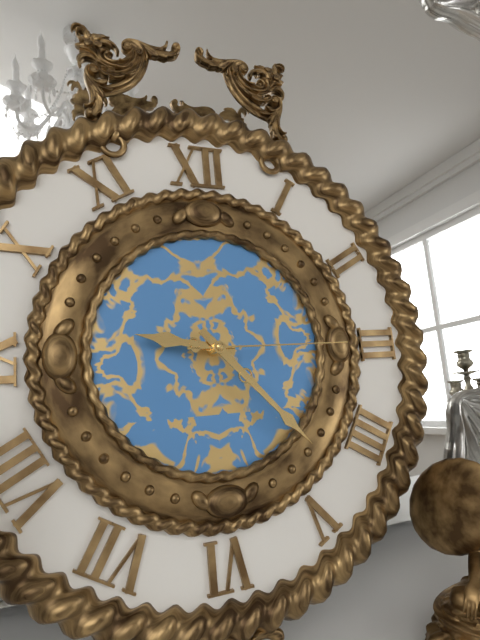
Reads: 9.23.15
